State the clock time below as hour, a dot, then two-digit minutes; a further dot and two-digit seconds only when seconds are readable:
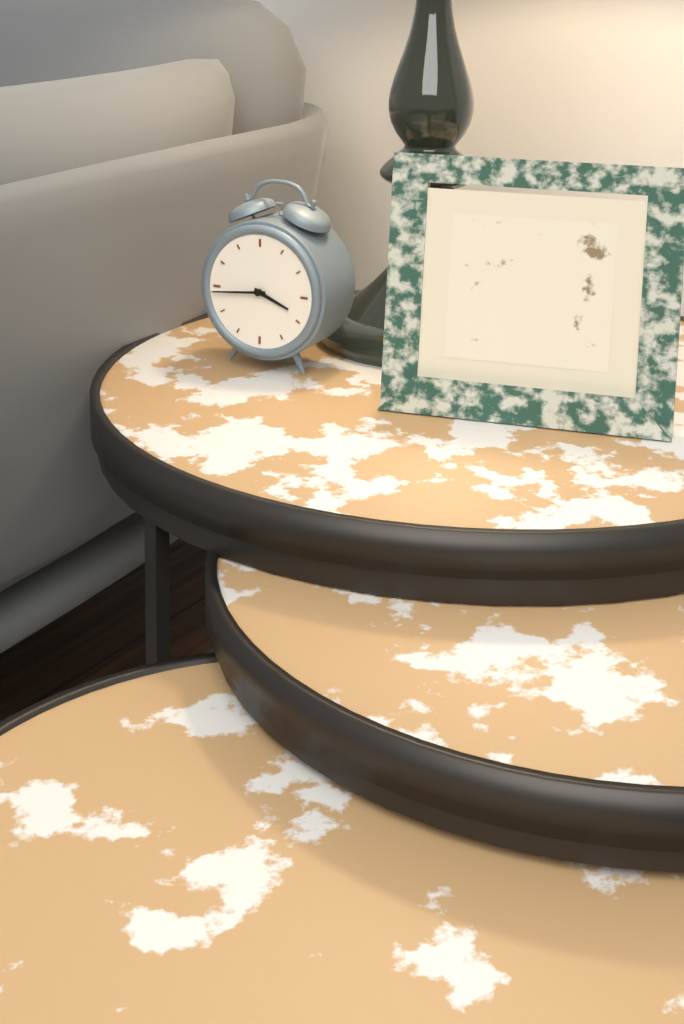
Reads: 3.44
